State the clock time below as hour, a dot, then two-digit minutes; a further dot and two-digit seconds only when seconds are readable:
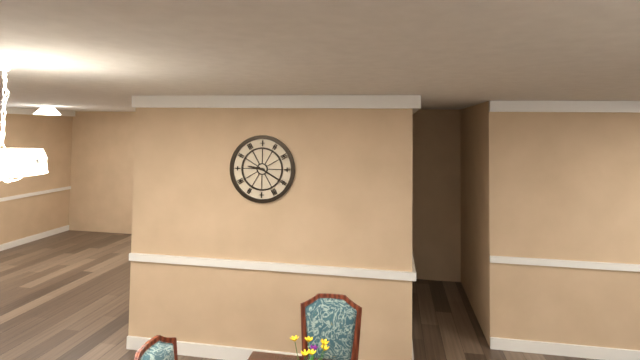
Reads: 9.20
